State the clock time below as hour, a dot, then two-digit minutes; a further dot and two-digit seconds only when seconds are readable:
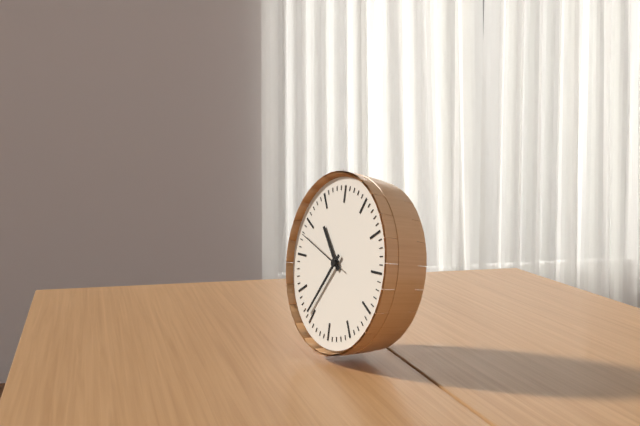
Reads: 10.36.48
